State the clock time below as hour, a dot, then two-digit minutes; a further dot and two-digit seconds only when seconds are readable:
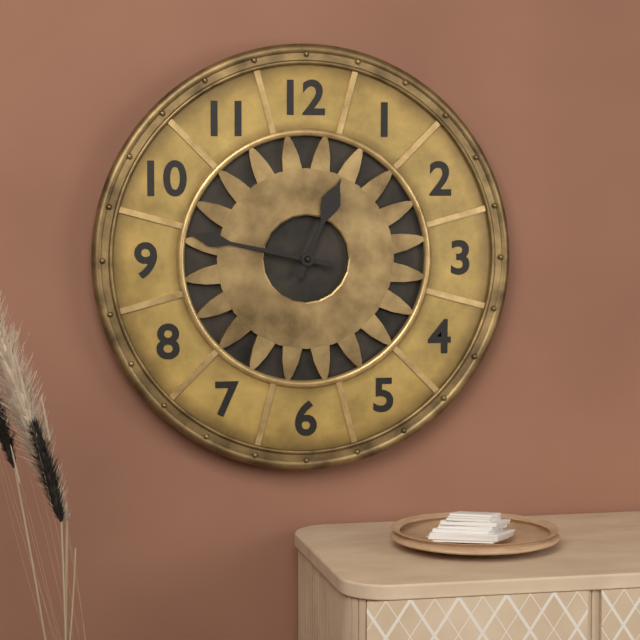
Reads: 12.47
